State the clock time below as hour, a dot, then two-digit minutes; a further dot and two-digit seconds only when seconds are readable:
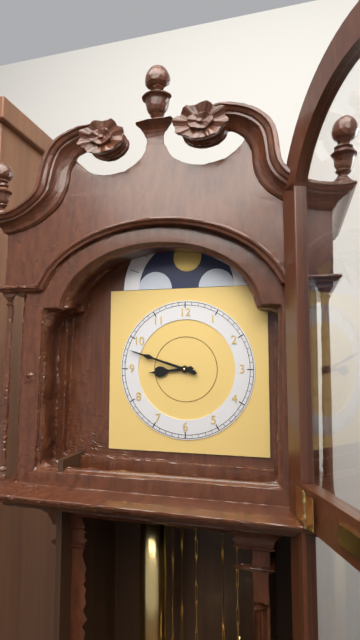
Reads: 8.48
